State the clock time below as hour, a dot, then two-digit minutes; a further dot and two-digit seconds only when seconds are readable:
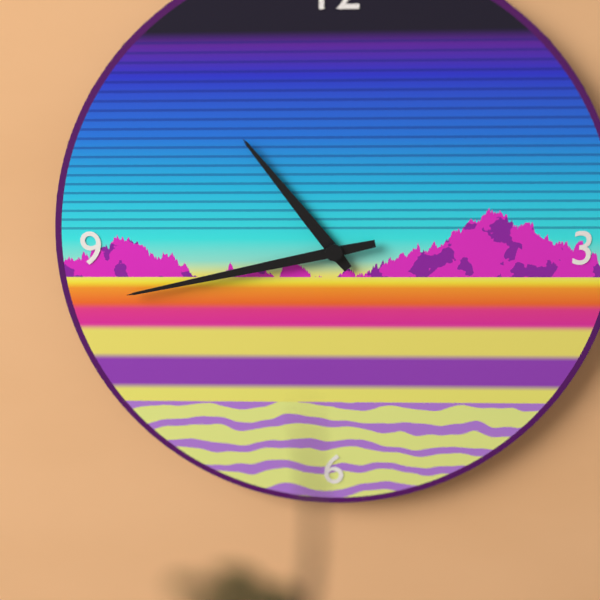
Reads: 10.43
